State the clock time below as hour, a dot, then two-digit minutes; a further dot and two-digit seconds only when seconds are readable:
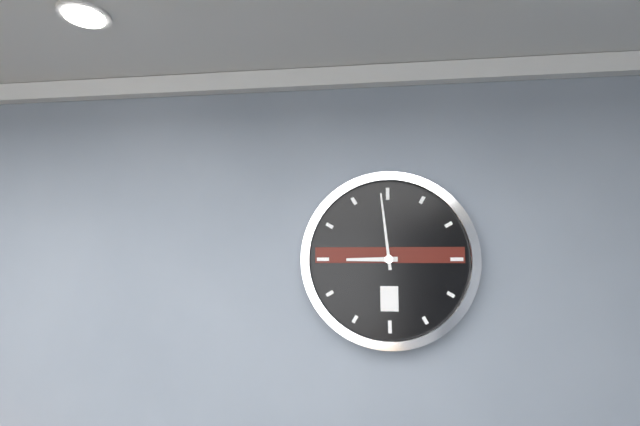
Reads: 8.59
